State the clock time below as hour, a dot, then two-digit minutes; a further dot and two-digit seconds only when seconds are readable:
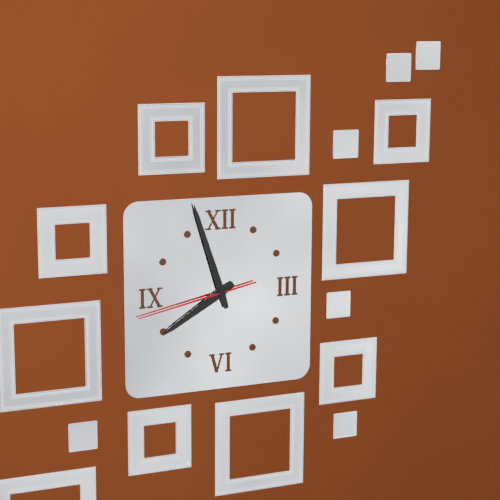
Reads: 7.57.43
